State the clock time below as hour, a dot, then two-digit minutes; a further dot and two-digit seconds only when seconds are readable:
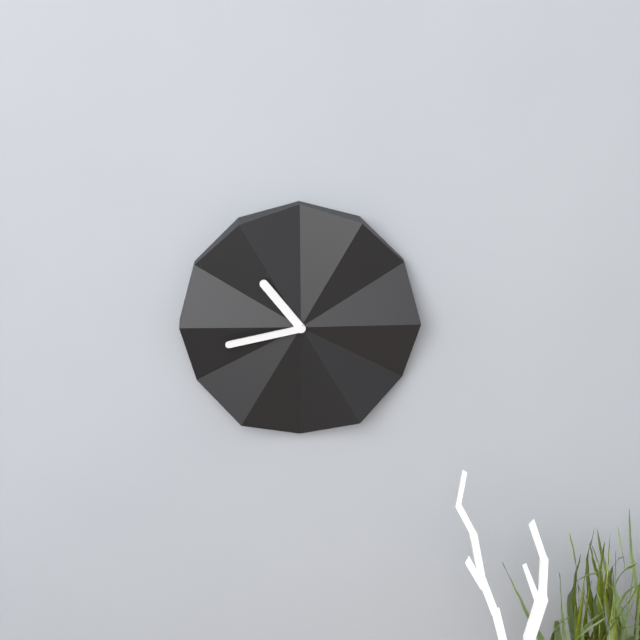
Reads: 10.43
